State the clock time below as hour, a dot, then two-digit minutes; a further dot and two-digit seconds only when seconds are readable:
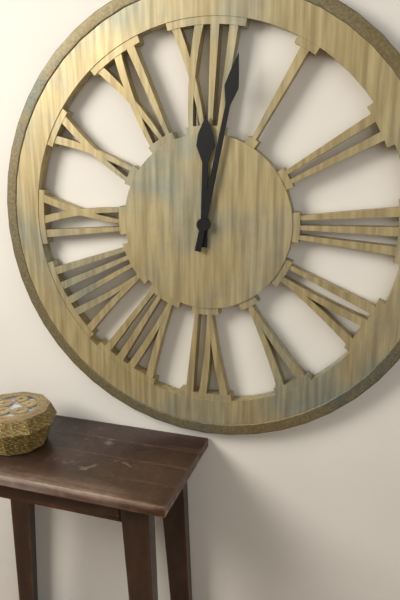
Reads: 12.02
